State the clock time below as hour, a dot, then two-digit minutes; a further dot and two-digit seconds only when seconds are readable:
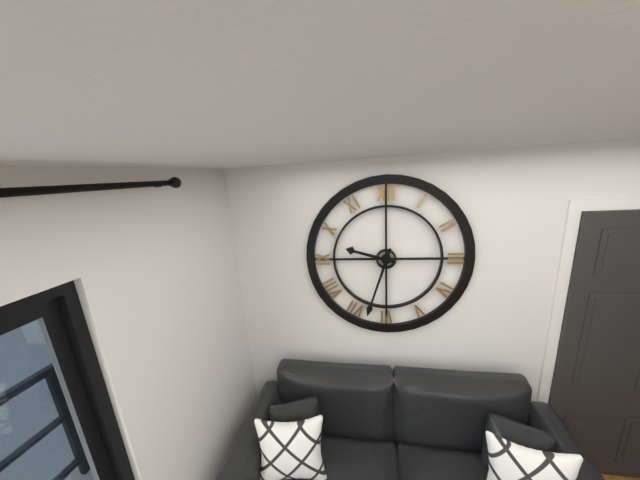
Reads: 9.33
